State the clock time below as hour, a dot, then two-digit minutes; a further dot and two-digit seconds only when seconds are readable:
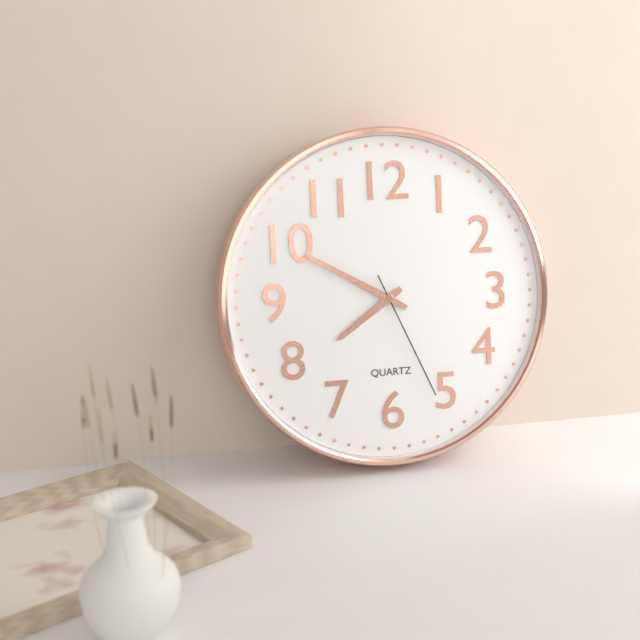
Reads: 7.50.26
